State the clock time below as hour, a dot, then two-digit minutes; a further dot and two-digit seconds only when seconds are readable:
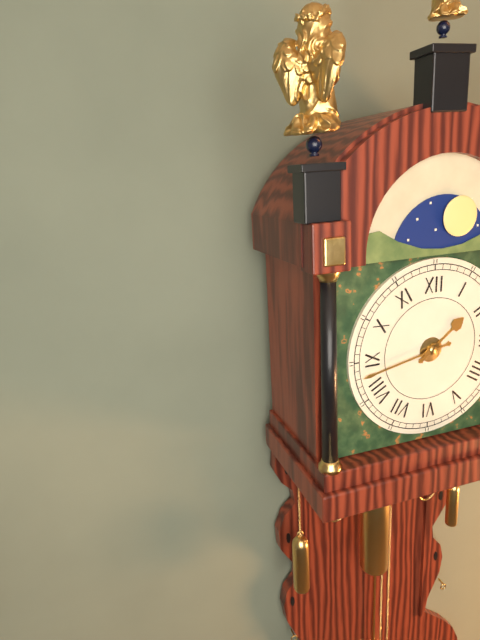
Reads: 1.43
